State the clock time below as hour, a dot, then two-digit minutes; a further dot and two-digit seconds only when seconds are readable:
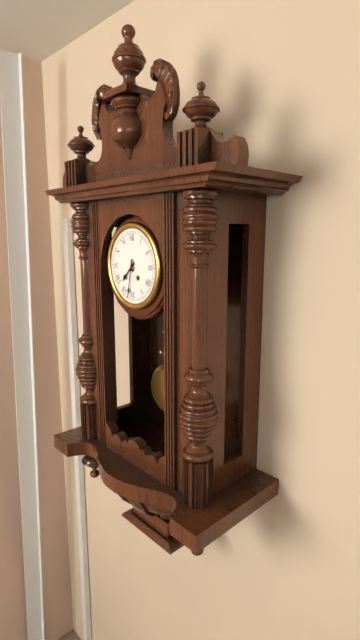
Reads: 7.32
